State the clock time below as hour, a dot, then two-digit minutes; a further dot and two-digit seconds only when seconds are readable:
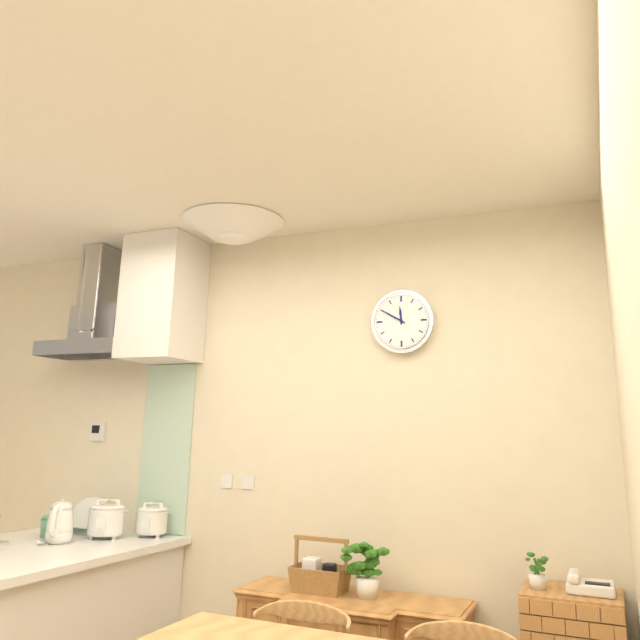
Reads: 11.50
